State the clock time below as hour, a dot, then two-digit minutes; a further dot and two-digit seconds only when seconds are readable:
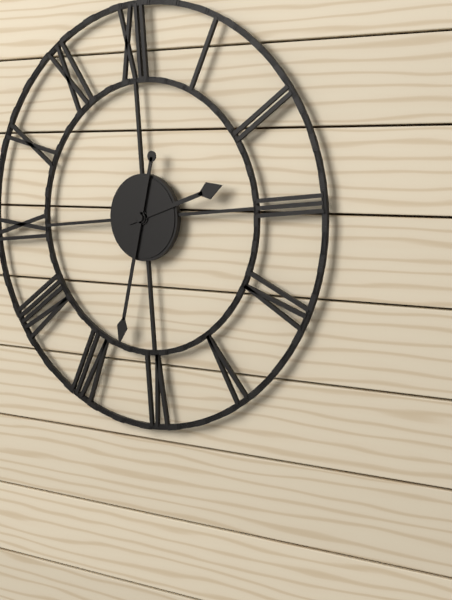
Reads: 2.33
